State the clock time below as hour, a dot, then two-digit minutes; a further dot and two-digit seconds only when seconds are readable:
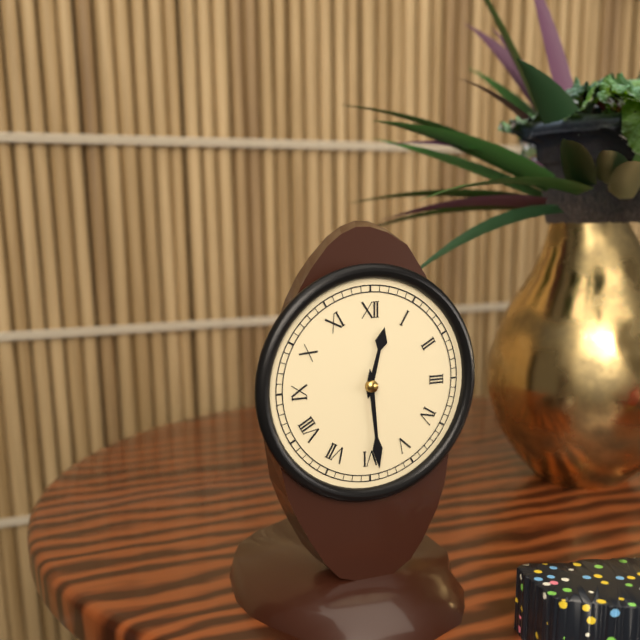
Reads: 12.29
